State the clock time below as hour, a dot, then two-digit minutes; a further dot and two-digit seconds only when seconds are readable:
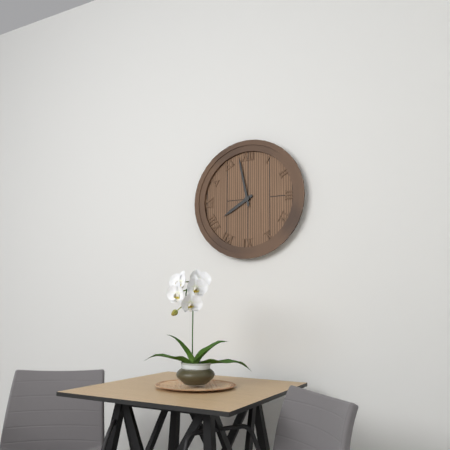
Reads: 7.58
